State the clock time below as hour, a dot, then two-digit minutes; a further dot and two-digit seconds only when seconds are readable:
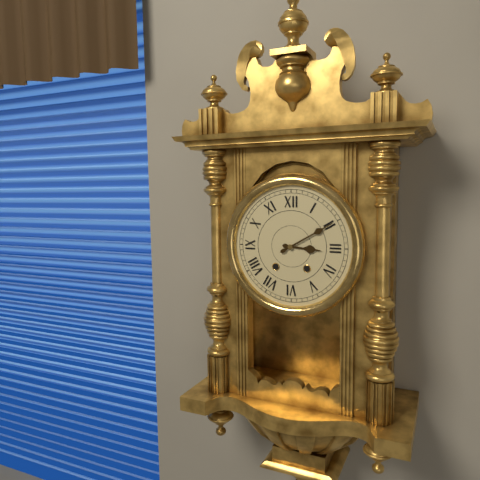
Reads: 3.10
